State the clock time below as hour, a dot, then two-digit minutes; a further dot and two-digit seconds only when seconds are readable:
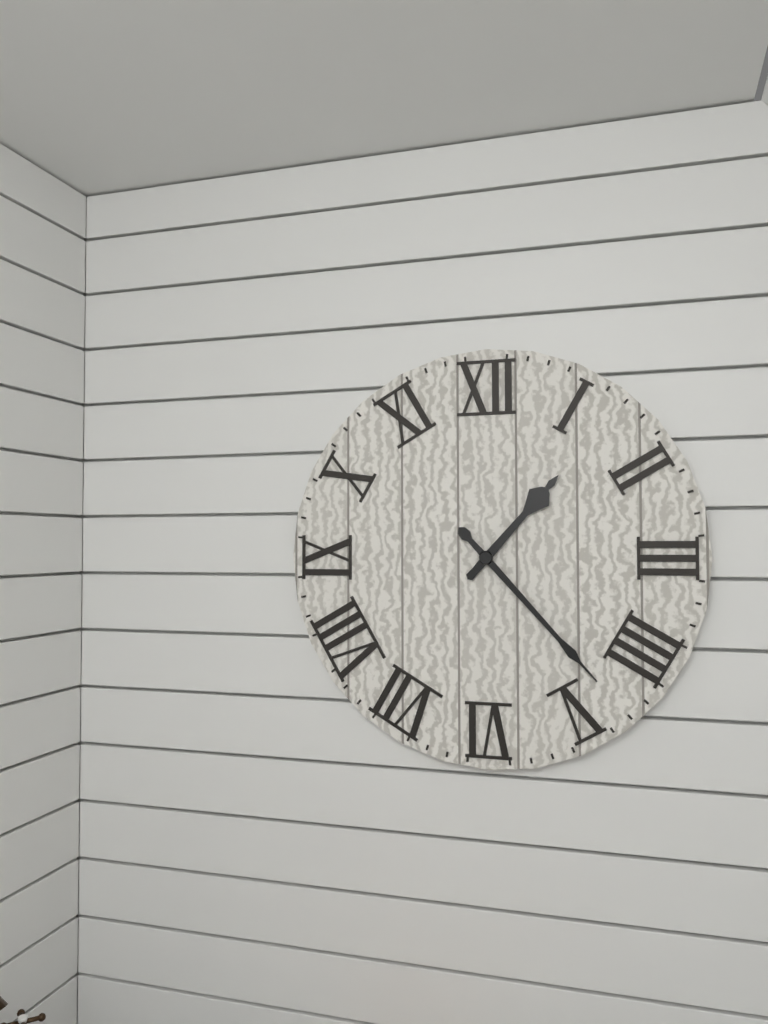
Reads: 1.23
